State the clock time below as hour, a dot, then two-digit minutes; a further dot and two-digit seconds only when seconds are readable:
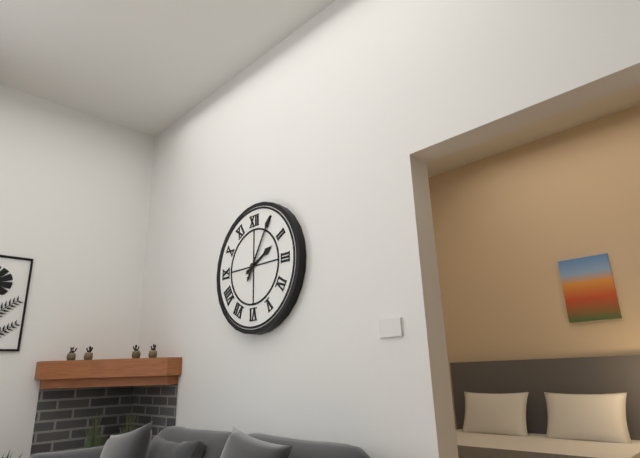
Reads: 2.05
